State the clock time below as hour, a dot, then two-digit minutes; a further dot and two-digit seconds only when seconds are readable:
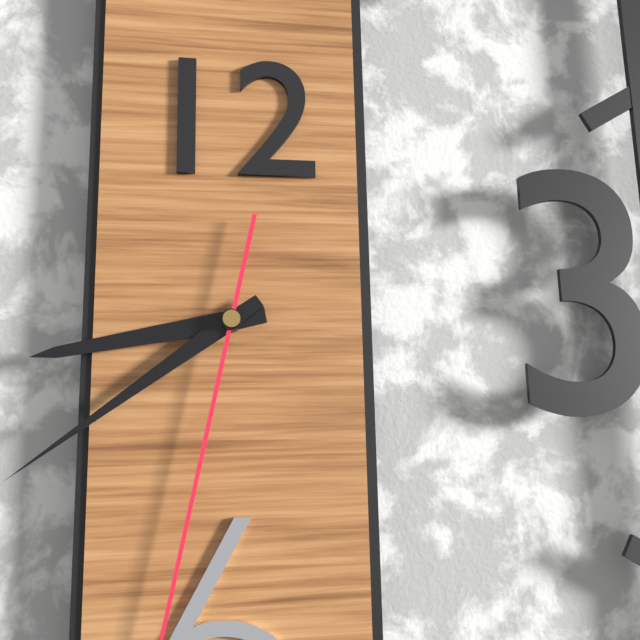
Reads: 8.39
